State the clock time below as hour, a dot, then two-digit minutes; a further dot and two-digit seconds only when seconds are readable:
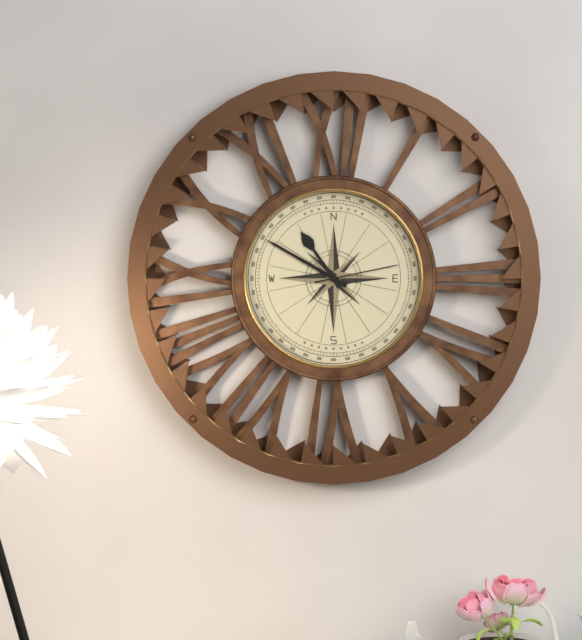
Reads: 10.50.13
